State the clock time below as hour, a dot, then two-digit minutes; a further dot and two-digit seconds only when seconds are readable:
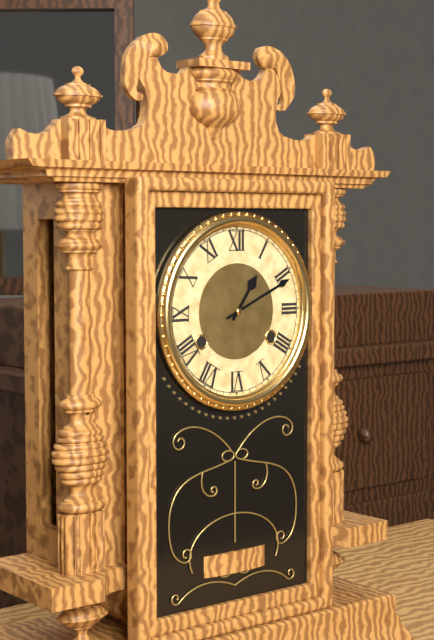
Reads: 1.11
